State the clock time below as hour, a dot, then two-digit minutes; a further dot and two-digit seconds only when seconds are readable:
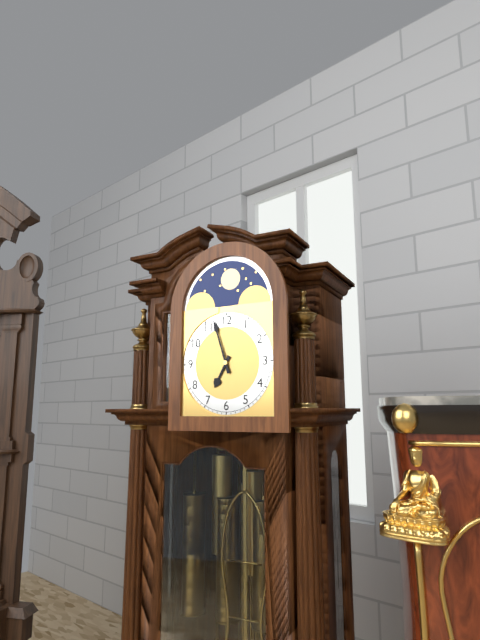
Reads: 6.57
